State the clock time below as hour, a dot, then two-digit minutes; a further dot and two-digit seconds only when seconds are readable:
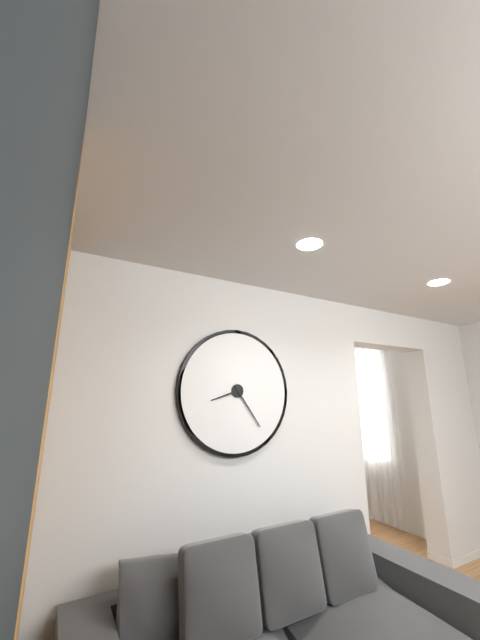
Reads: 8.24
